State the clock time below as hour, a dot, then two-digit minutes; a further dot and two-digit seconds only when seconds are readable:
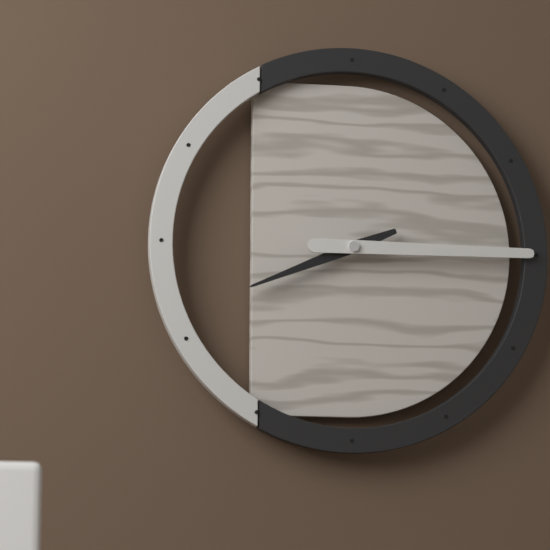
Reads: 8.15
